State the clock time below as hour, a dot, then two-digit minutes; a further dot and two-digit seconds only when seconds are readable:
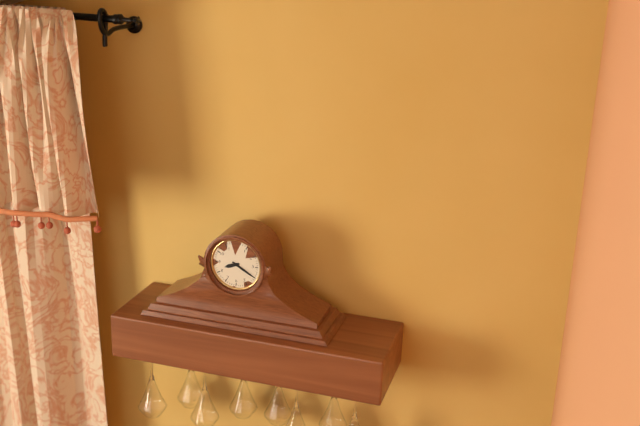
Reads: 8.20
